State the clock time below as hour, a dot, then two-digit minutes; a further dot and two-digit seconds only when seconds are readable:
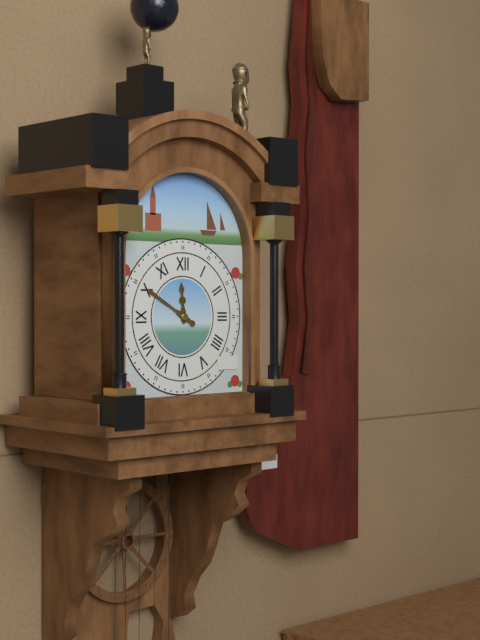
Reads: 11.50
